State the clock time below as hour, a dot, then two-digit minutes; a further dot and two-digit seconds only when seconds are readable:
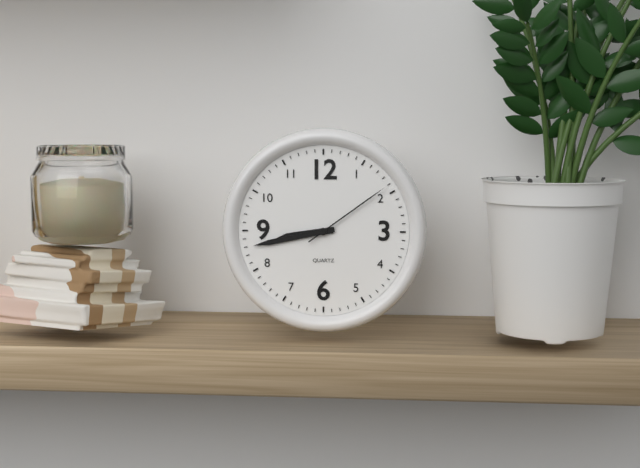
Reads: 8.43.09
